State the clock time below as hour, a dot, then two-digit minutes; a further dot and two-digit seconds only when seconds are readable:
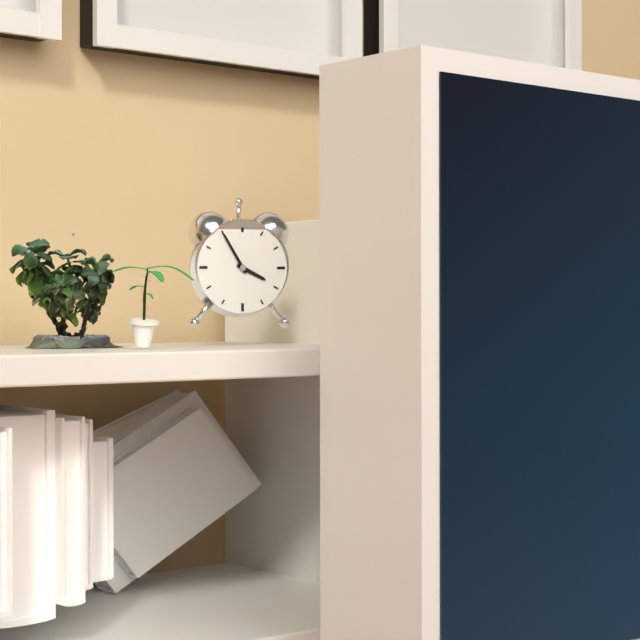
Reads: 3.55
